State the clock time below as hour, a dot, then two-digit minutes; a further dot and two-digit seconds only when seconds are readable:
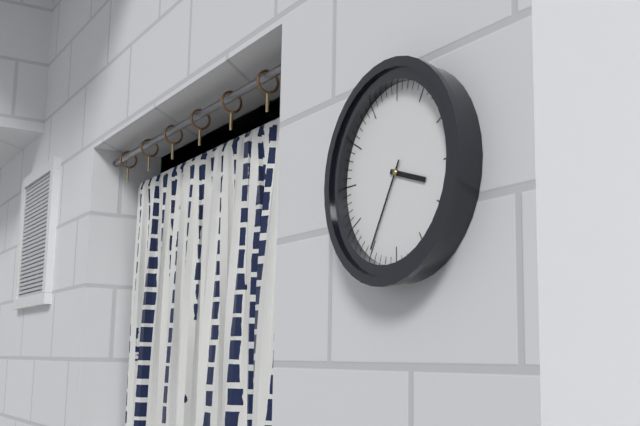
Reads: 3.35
